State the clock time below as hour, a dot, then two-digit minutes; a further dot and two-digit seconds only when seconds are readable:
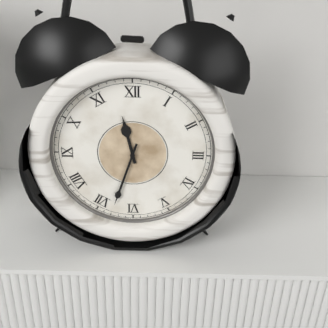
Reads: 11.33
